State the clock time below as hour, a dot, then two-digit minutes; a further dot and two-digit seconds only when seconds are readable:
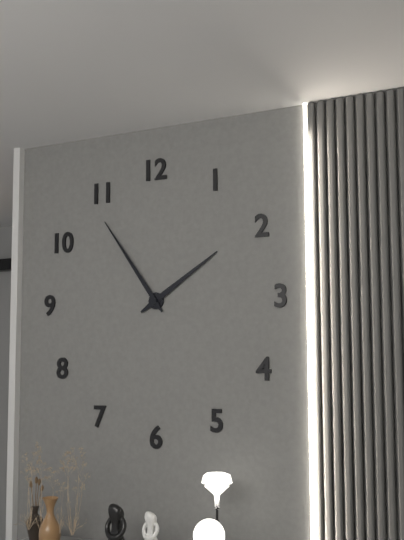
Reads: 1.54
